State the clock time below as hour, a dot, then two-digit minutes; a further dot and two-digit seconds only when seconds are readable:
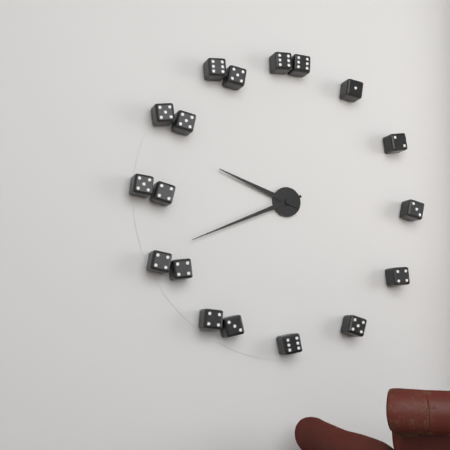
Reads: 9.41
